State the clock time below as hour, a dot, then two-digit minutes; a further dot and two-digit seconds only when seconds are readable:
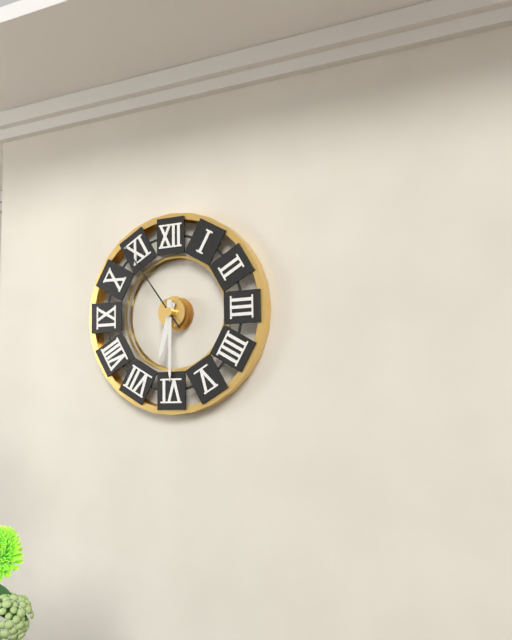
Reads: 6.30.54
